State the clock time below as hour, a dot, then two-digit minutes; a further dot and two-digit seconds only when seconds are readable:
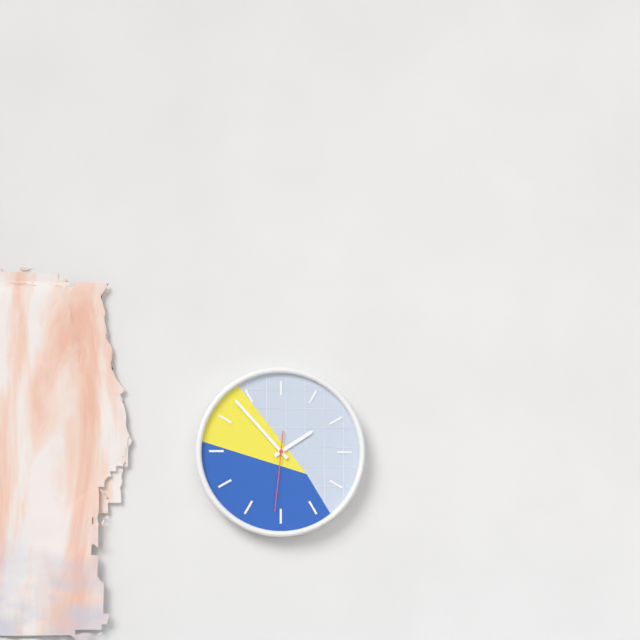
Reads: 1.53.31
